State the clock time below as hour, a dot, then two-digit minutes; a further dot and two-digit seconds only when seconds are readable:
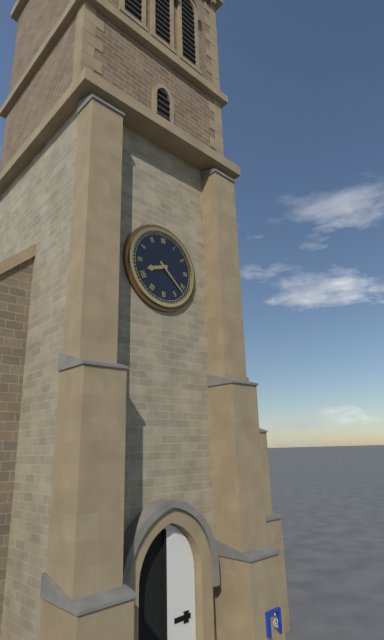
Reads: 8.22
